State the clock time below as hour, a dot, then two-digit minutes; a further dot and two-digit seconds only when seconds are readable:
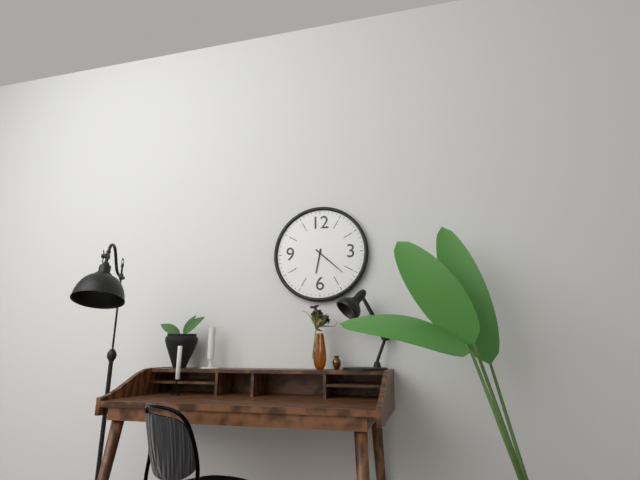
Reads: 6.22
